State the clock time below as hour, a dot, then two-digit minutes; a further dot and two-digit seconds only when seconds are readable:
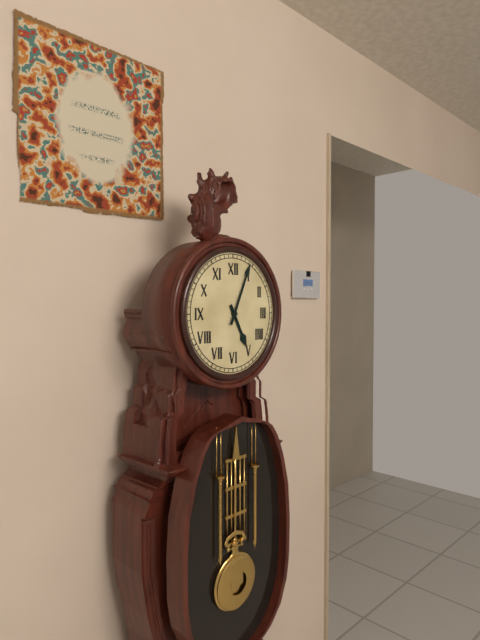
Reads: 5.04
